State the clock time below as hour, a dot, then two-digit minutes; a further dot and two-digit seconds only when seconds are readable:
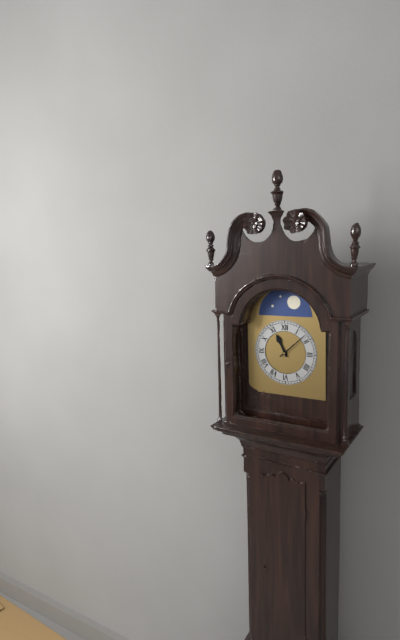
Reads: 11.08
